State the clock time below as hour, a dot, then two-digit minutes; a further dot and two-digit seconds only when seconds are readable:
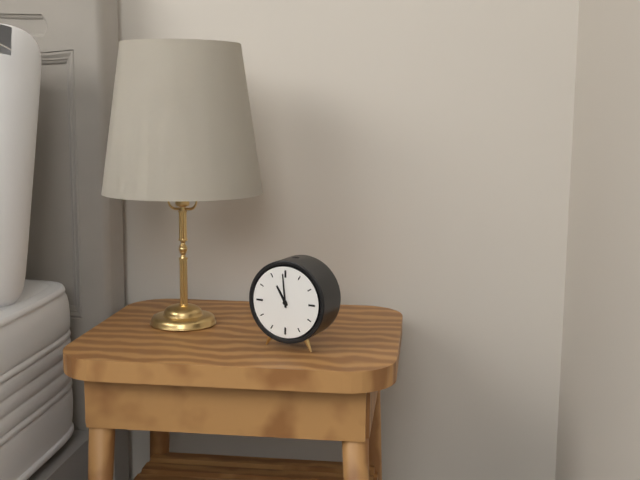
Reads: 10.59
